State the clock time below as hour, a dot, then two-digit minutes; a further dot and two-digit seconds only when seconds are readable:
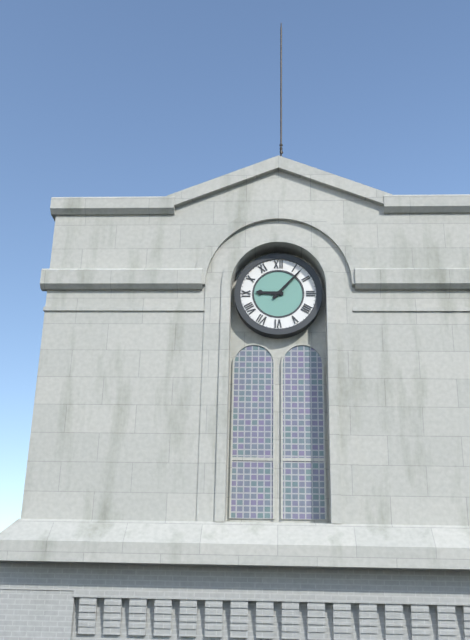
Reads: 9.07
